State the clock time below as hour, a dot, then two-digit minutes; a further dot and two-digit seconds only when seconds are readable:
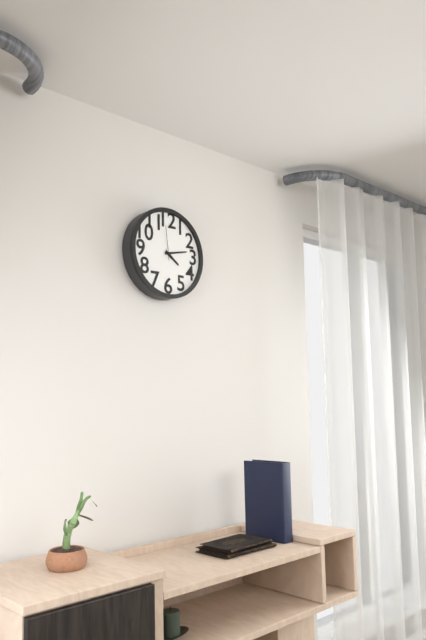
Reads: 4.13
